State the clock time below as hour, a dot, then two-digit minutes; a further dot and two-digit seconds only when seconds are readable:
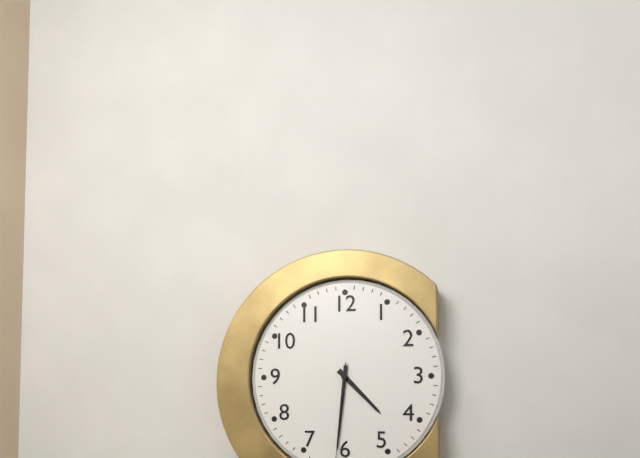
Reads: 4.31
